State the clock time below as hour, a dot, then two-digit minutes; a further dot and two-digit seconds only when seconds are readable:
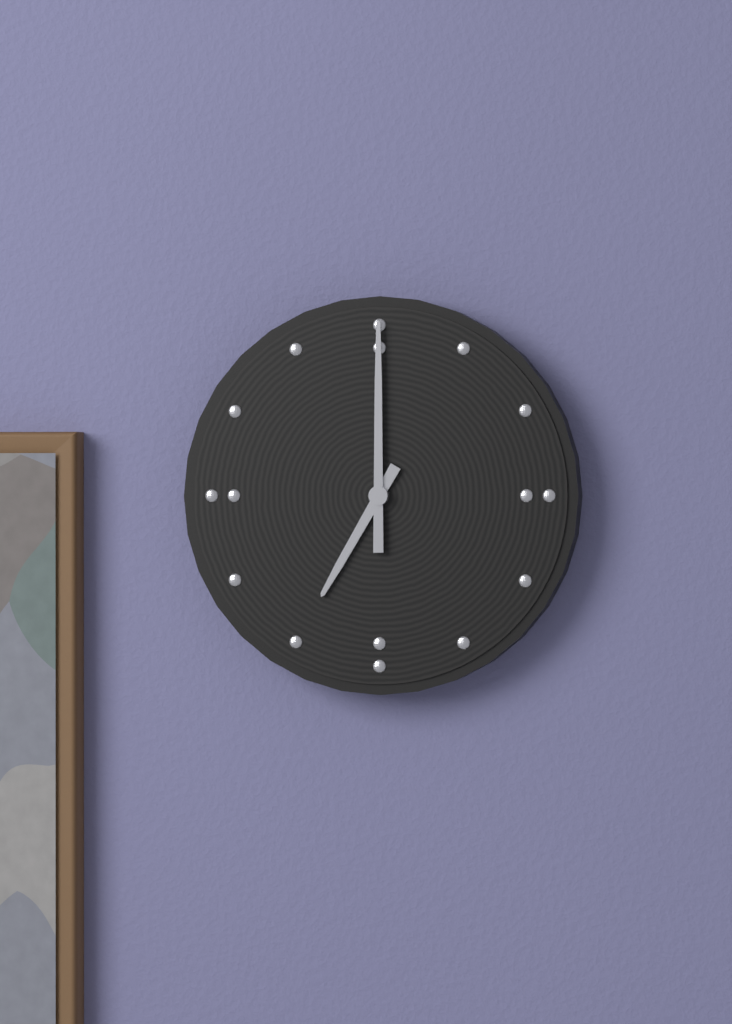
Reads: 7.00
